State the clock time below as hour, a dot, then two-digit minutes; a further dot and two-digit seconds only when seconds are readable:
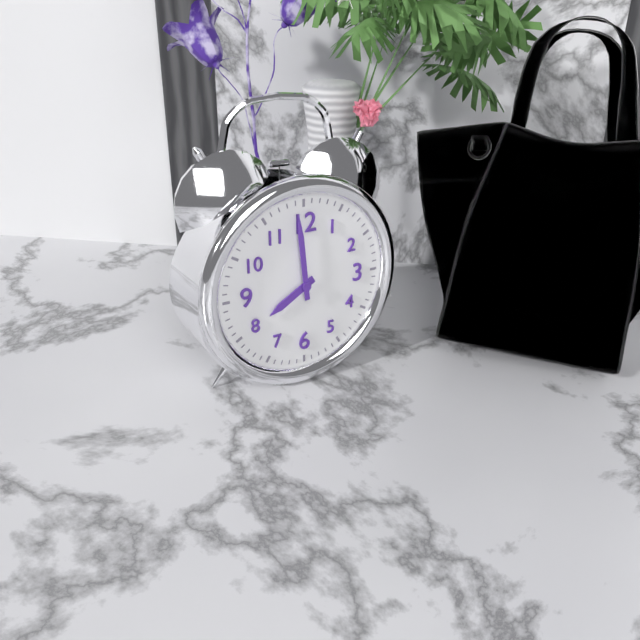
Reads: 7.59
